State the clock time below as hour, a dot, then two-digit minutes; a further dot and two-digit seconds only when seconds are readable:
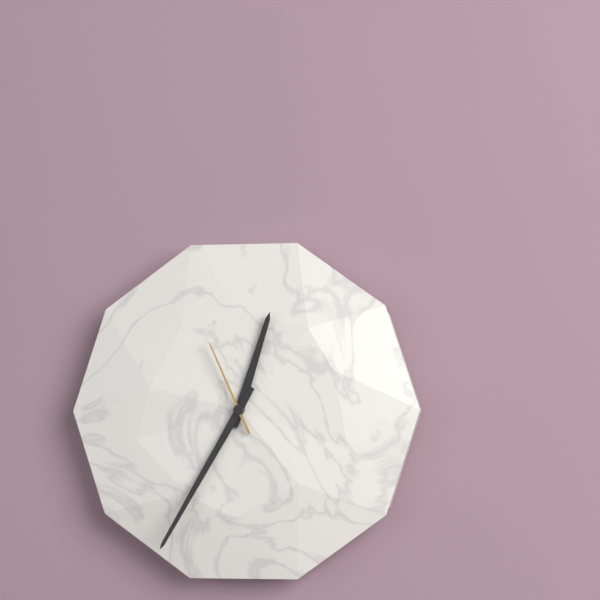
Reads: 12.35.56
